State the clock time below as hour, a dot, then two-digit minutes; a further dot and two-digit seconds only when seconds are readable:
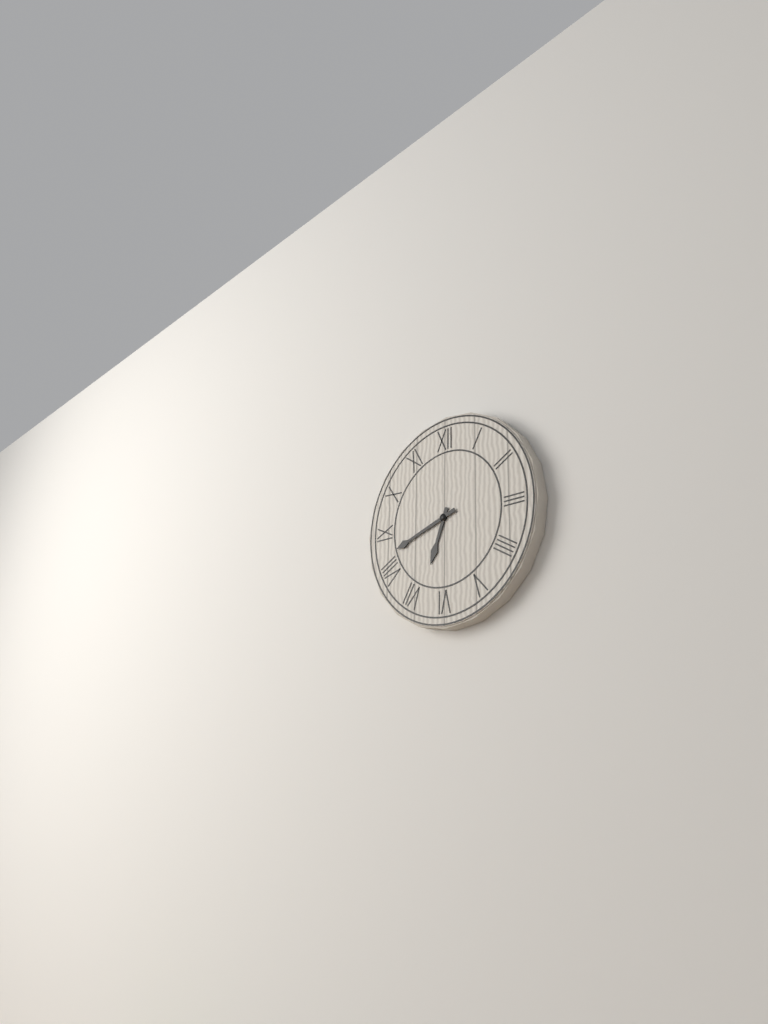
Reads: 6.42
